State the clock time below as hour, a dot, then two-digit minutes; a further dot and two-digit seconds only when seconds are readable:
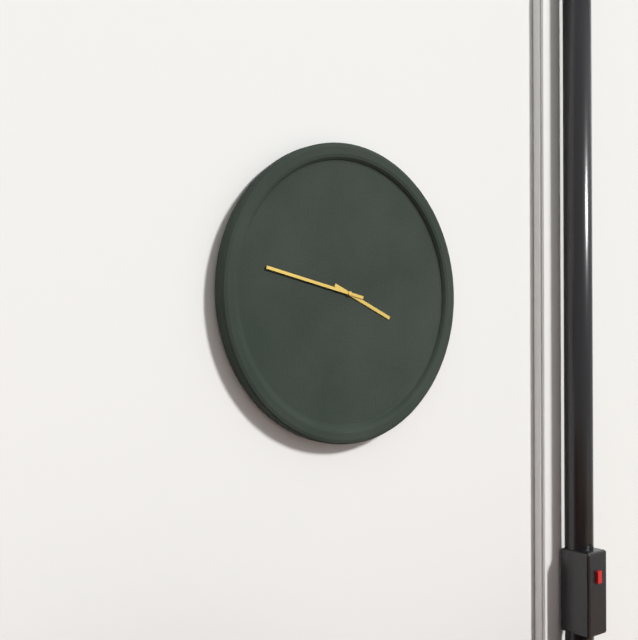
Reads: 3.47
